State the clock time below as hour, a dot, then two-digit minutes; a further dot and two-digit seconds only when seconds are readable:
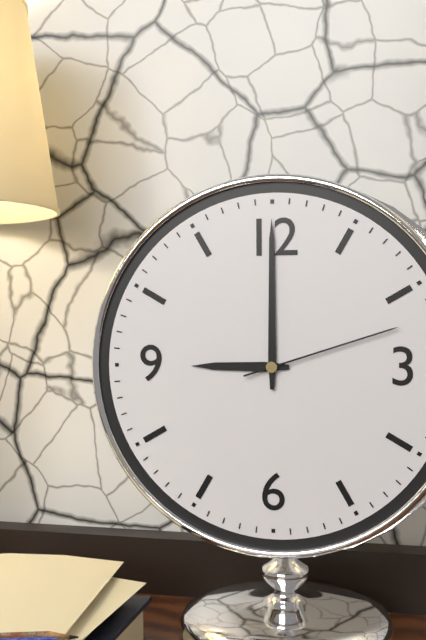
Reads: 9.00.12
